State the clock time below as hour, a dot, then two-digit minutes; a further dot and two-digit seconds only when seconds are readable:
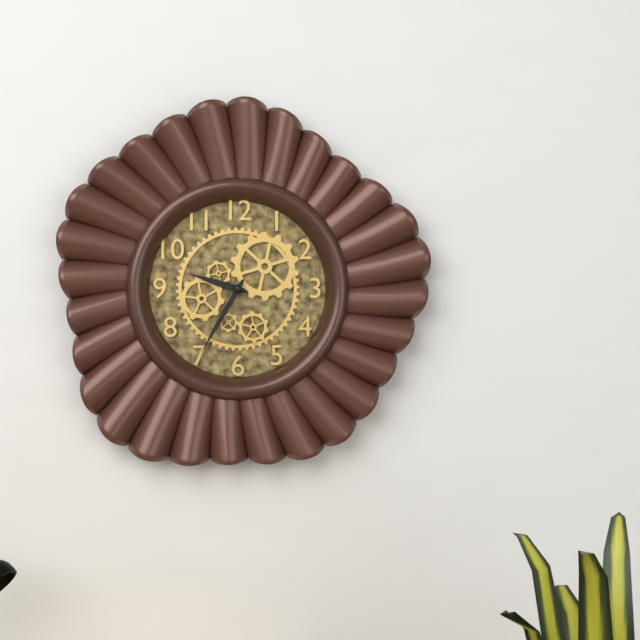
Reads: 9.35
